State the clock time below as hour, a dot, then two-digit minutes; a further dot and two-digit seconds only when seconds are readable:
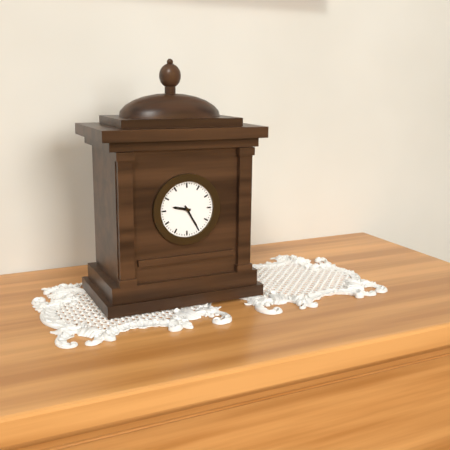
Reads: 9.25
